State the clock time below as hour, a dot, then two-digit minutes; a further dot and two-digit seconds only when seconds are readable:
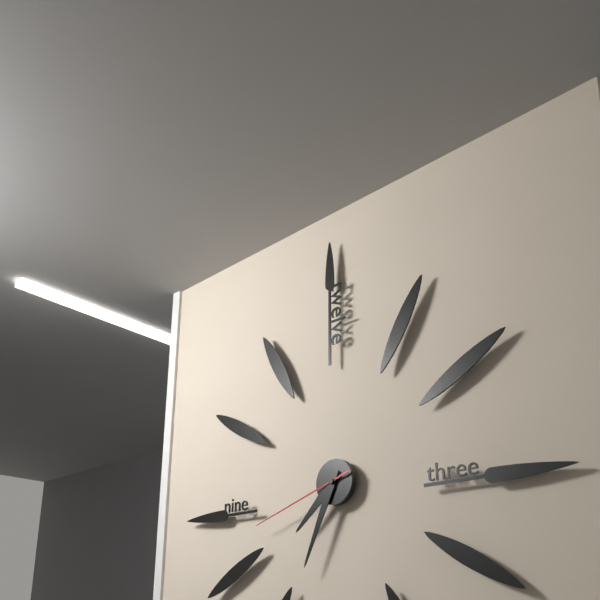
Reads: 7.34.42
